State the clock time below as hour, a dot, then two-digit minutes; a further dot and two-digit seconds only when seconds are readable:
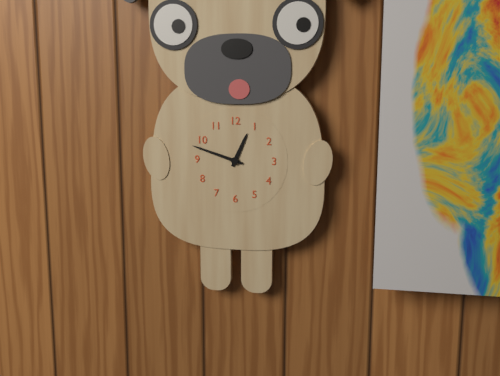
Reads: 12.48
